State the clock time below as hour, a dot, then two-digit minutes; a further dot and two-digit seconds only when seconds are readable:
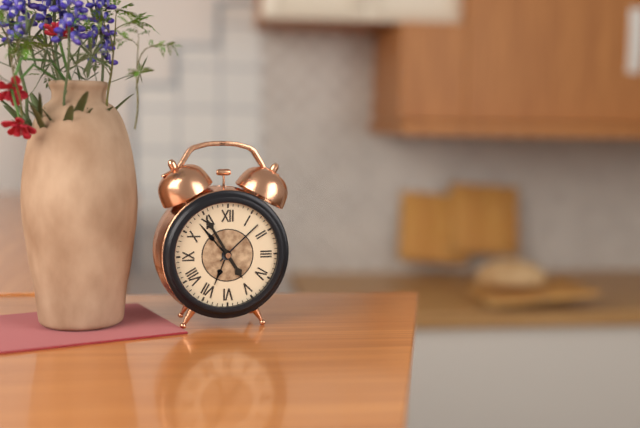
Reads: 4.55
